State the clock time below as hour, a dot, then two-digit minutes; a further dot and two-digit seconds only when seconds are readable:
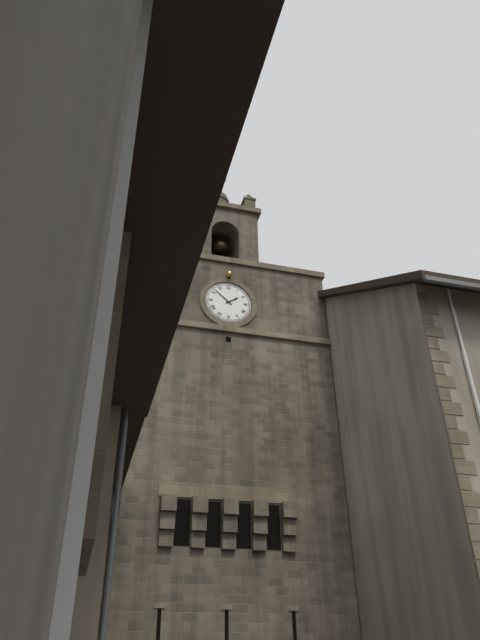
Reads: 1.52
